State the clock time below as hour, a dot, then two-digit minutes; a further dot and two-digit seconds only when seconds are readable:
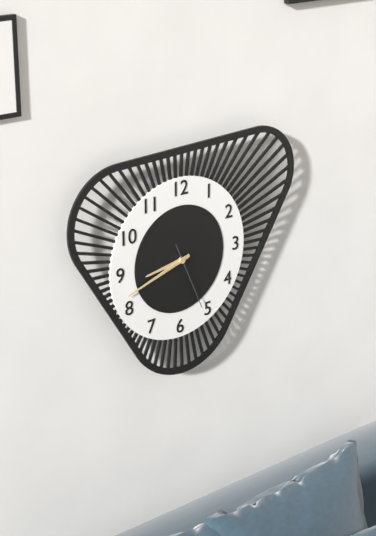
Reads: 8.42.26
